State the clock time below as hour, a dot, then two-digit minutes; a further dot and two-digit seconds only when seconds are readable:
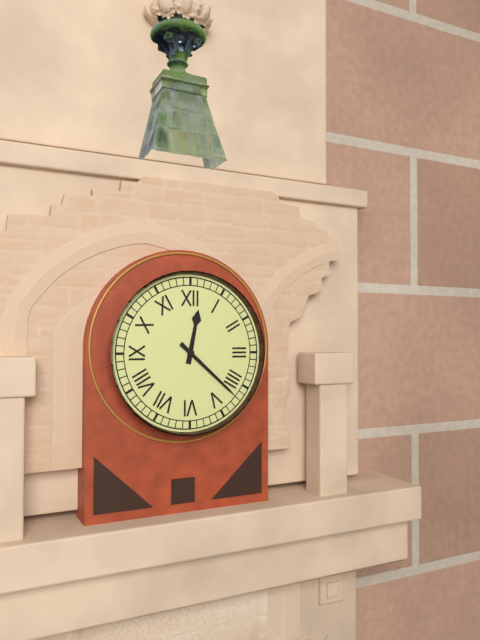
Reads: 12.22
